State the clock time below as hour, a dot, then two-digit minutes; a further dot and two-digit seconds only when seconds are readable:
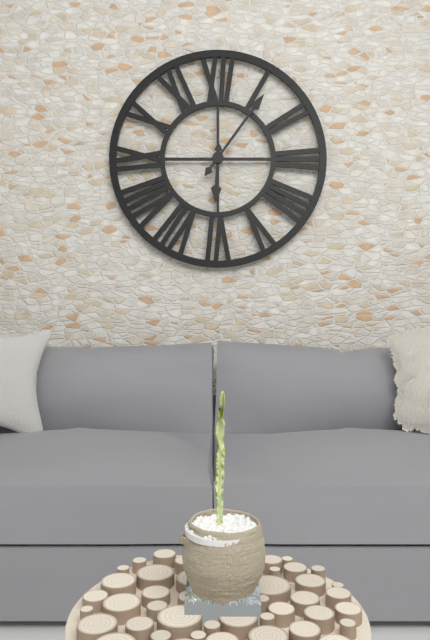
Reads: 6.06
